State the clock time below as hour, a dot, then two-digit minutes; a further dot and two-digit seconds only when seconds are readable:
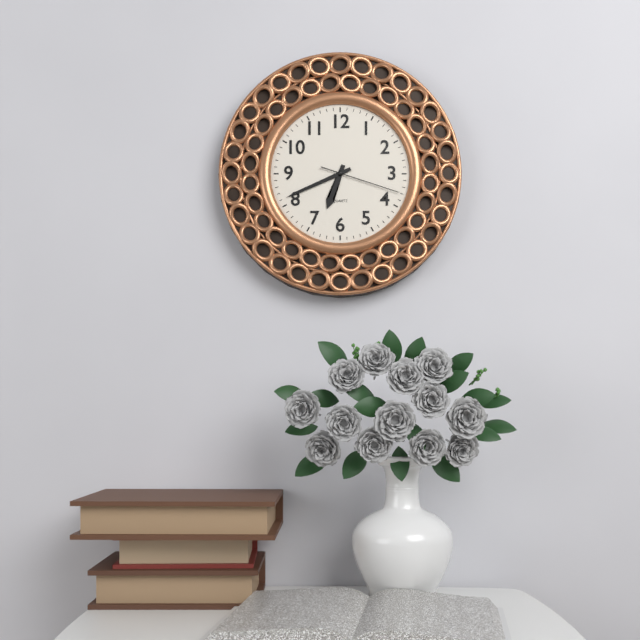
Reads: 6.41.18
